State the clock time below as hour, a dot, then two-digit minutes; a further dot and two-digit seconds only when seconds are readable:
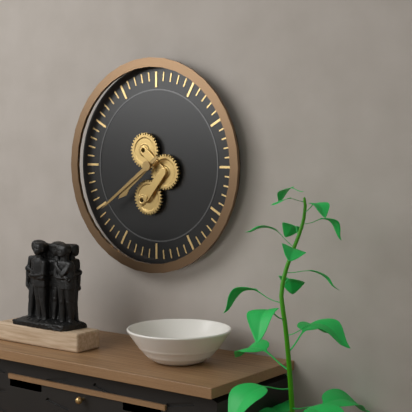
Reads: 7.39
